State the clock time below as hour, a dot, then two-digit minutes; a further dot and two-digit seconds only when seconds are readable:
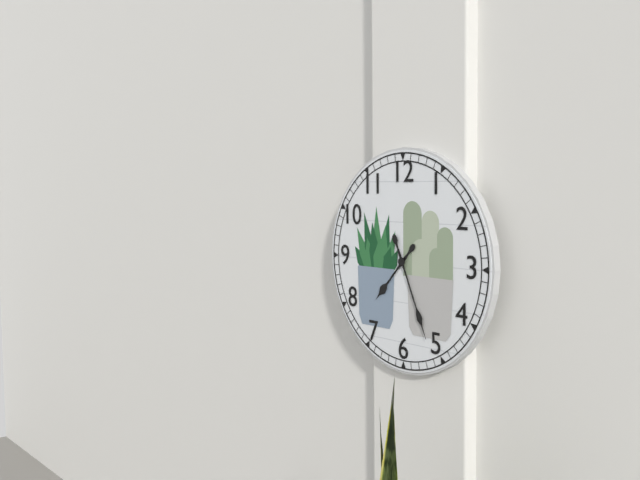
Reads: 7.26
